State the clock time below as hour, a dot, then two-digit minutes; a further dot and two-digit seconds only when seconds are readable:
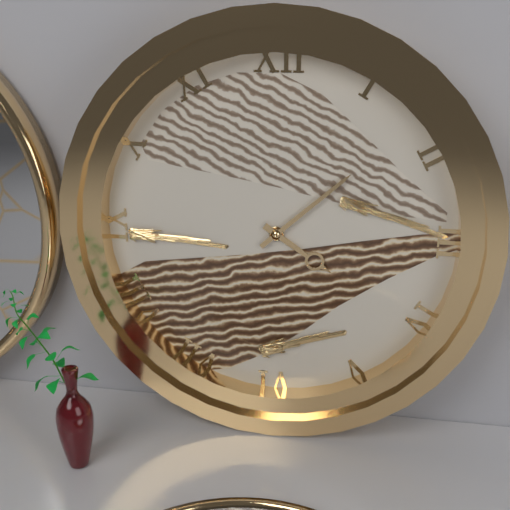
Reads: 4.08
